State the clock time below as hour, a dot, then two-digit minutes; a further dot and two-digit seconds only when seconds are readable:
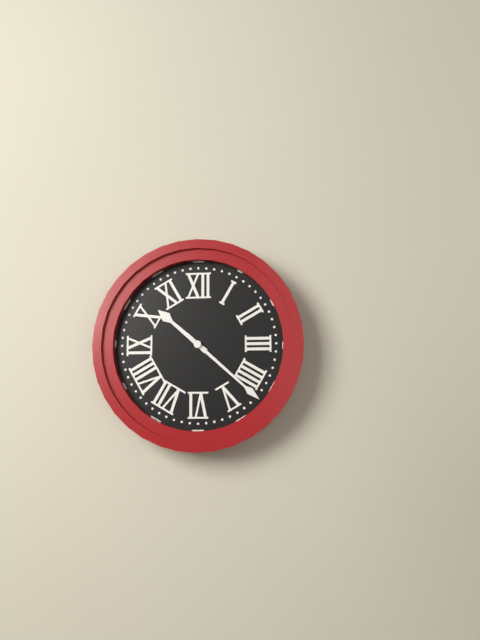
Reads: 10.22
